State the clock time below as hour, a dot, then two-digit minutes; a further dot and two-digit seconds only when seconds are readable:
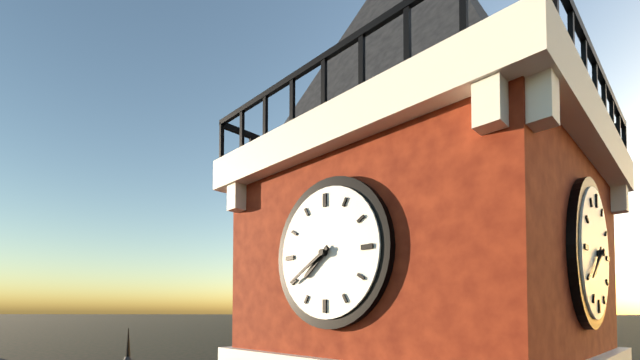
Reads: 7.40
